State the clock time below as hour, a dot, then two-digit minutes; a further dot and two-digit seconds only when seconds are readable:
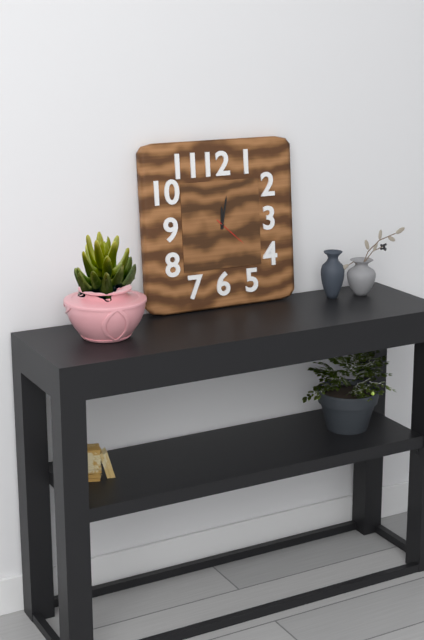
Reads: 12.02
